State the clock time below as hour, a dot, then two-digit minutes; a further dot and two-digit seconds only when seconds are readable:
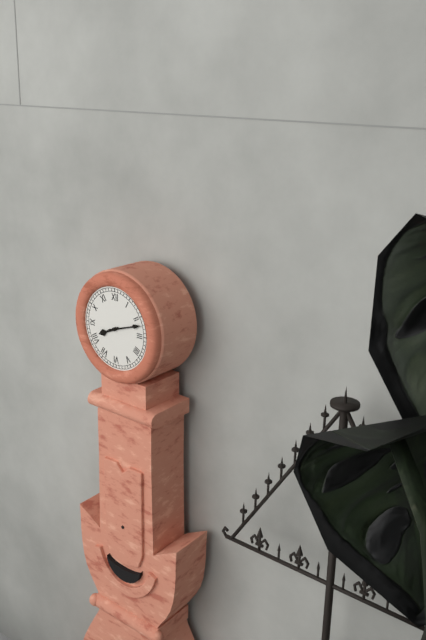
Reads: 8.12
